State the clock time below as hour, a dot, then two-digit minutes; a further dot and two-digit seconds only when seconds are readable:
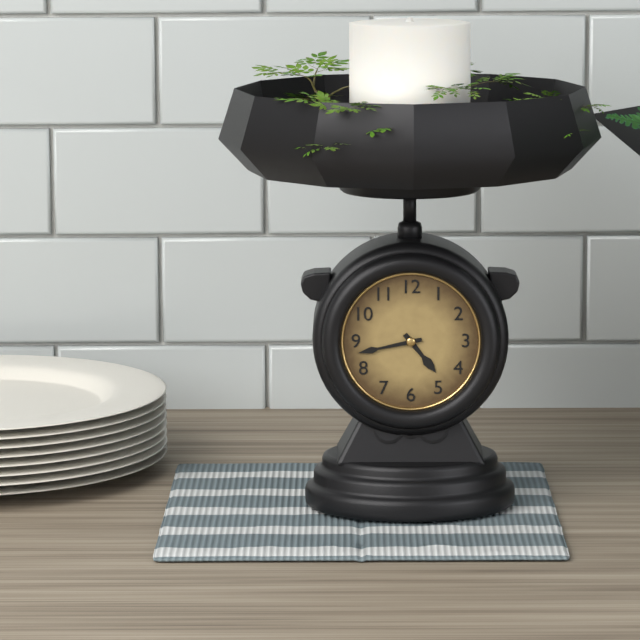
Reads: 4.43
